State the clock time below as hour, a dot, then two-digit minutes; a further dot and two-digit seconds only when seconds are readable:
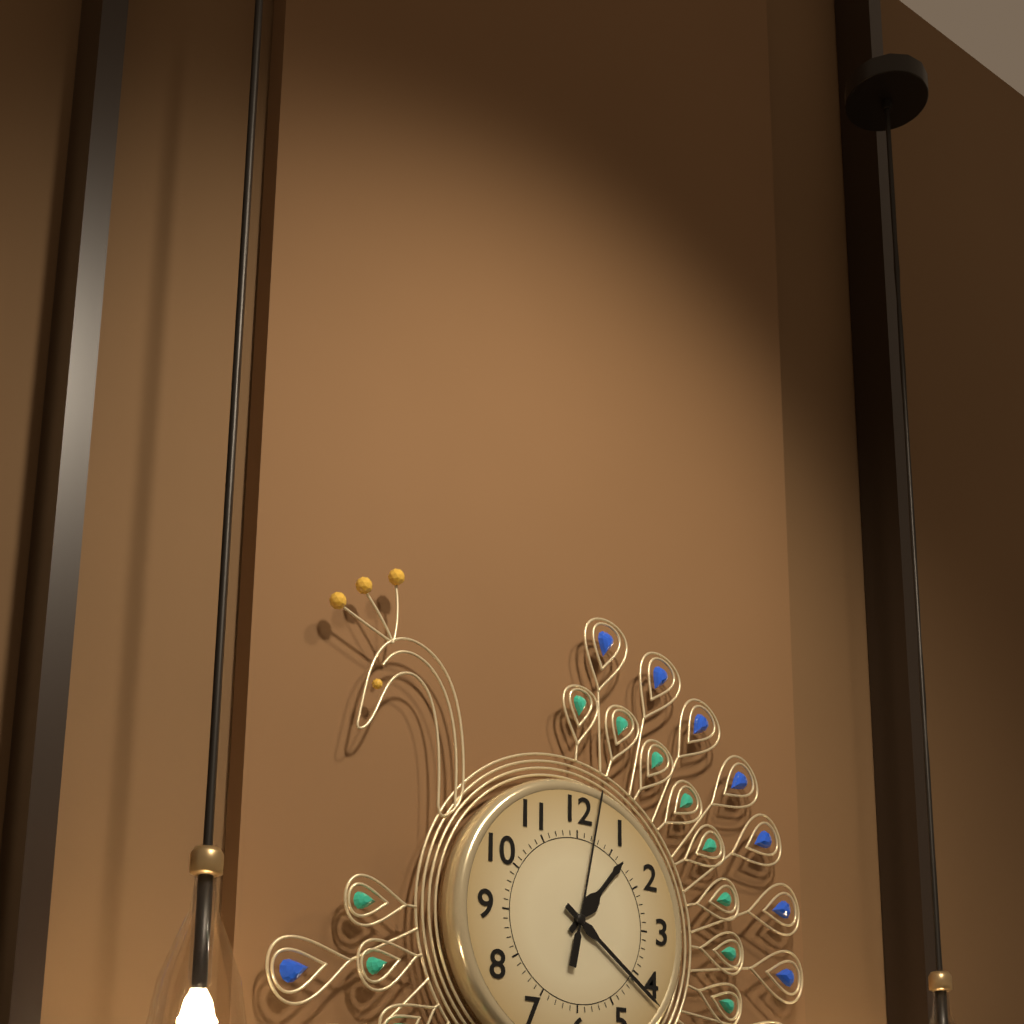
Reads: 1.21.02
